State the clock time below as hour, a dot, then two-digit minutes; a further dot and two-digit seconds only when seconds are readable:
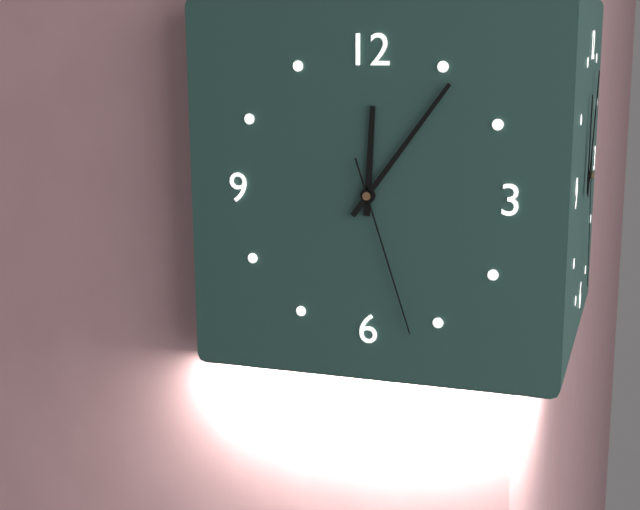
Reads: 12.06.27
